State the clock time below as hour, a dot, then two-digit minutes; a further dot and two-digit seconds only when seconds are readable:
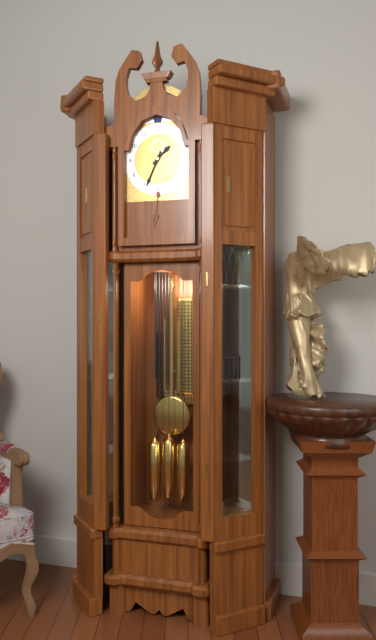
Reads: 1.34
